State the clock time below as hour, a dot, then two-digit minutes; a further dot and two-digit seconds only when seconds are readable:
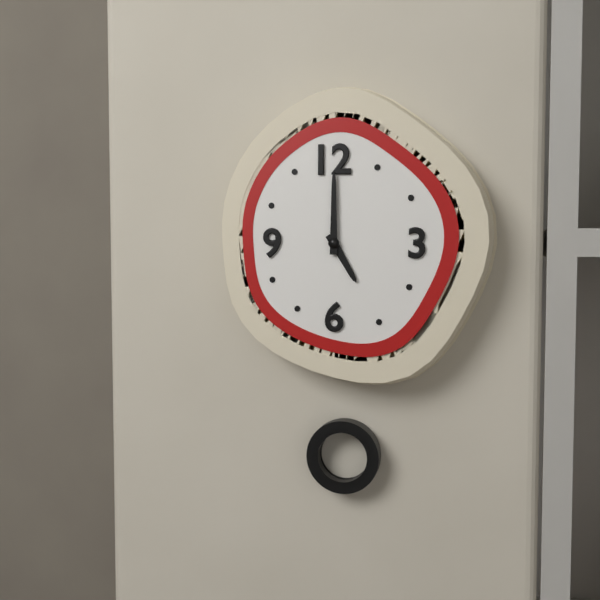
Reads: 5.00
